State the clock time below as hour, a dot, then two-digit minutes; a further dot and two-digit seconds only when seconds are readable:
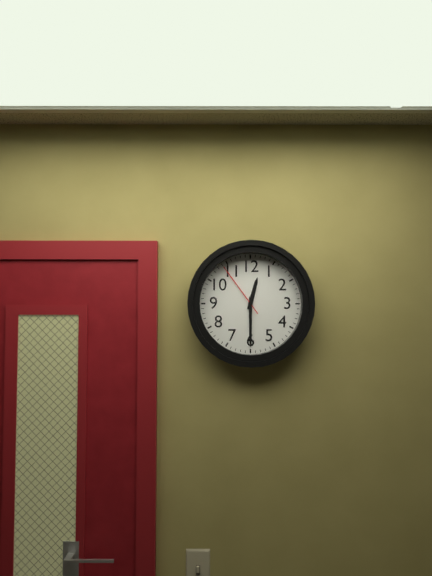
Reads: 12.30.54
